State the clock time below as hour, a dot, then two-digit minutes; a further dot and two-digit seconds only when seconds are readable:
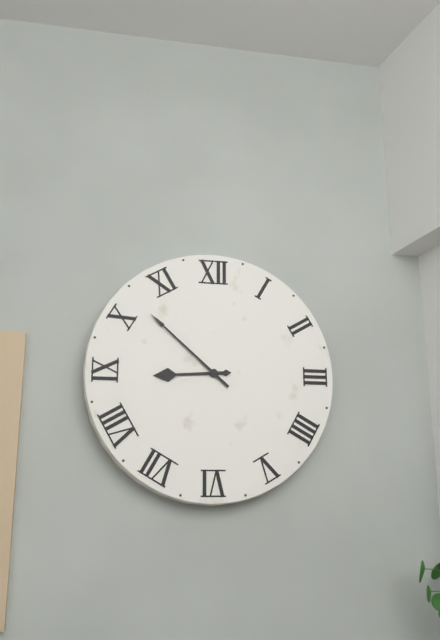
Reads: 8.52
